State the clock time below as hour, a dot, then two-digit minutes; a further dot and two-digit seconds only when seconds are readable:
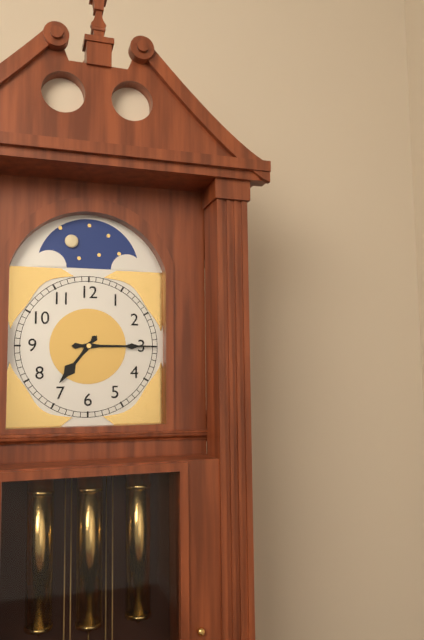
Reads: 7.15
